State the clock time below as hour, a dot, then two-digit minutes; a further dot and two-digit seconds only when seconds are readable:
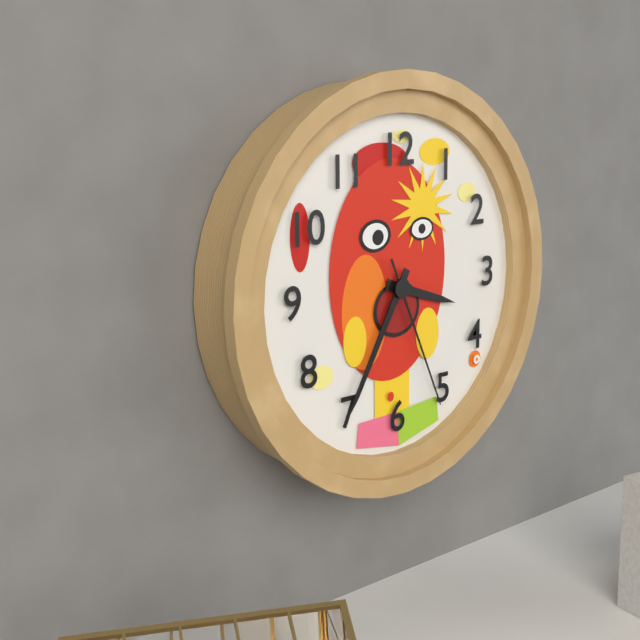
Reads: 3.35.26
